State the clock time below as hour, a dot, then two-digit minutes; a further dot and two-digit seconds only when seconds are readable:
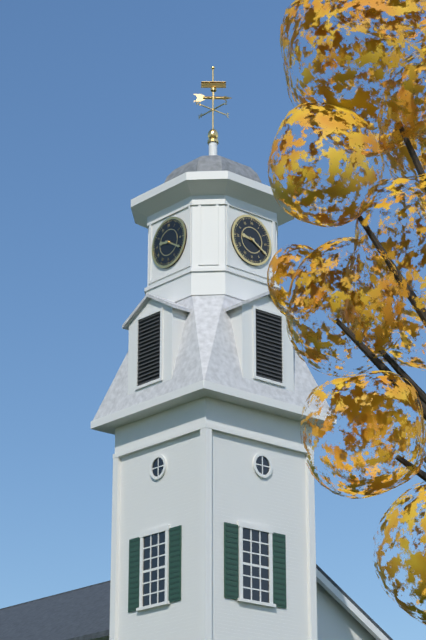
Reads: 9.20
